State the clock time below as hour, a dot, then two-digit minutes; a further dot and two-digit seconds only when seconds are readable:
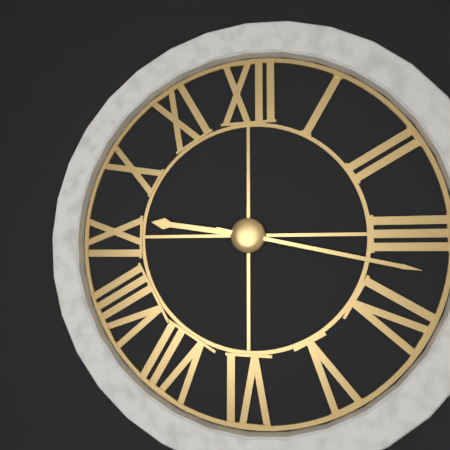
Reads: 9.17
